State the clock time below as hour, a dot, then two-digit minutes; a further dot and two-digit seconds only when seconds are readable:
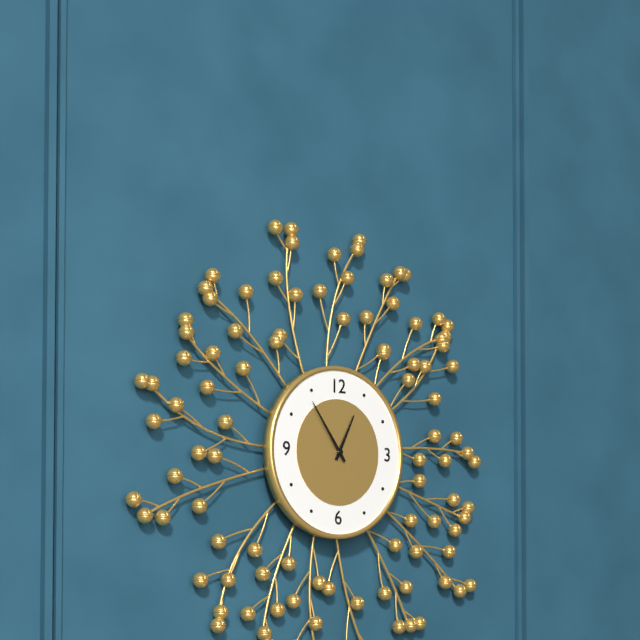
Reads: 12.54
